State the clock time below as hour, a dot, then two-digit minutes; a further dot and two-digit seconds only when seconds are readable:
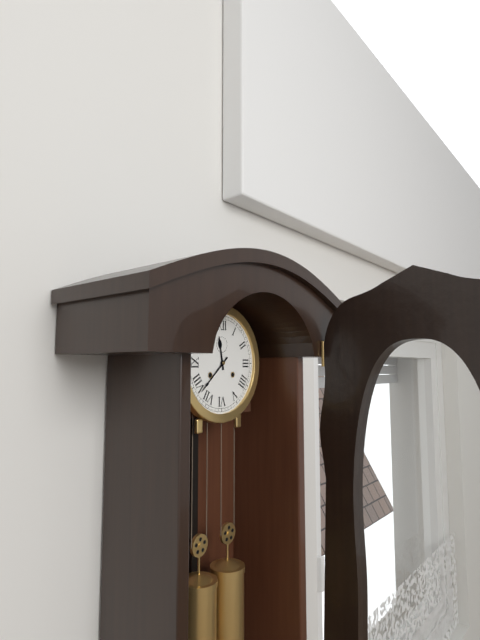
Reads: 11.38
